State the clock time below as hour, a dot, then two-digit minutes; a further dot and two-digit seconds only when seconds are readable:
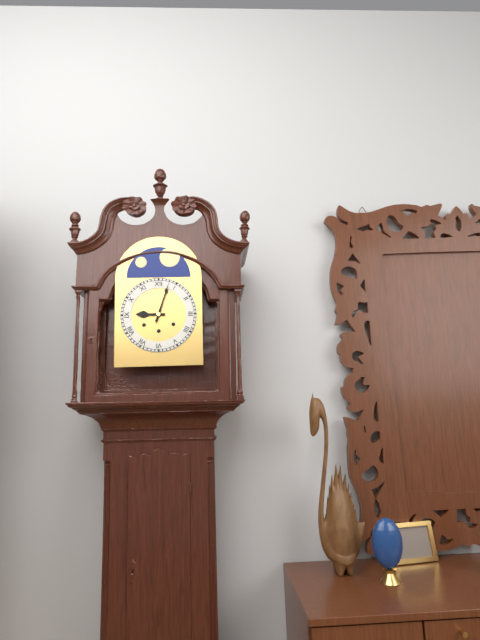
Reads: 9.03
